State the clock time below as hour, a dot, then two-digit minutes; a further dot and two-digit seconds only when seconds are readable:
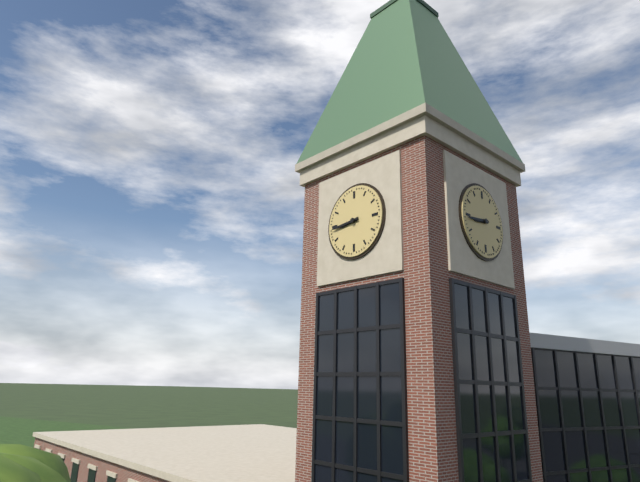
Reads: 8.44
